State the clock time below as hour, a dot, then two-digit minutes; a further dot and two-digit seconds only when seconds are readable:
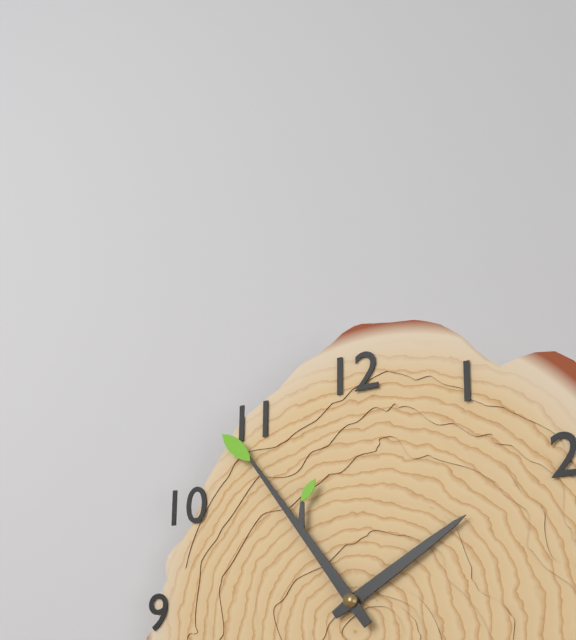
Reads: 1.54
